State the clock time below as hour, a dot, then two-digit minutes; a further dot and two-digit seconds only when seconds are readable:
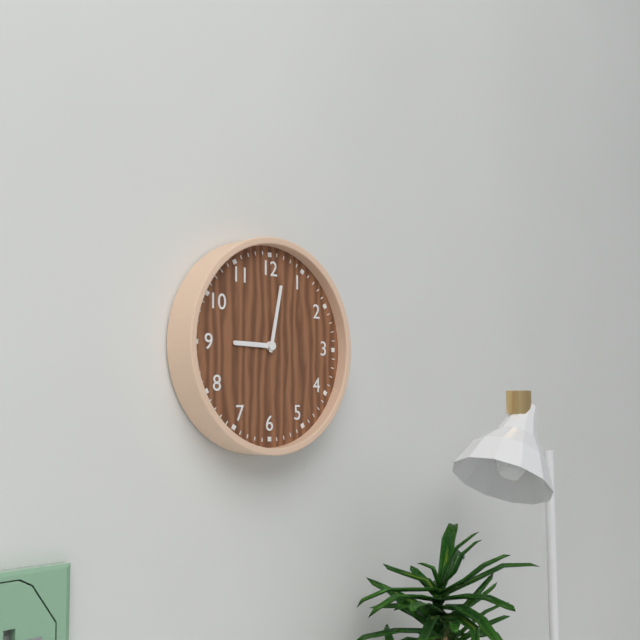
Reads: 9.02
